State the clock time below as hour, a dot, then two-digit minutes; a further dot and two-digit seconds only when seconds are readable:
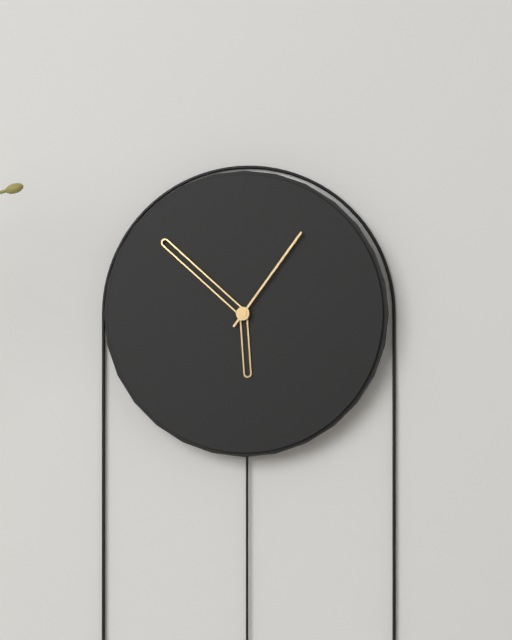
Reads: 5.52.06
